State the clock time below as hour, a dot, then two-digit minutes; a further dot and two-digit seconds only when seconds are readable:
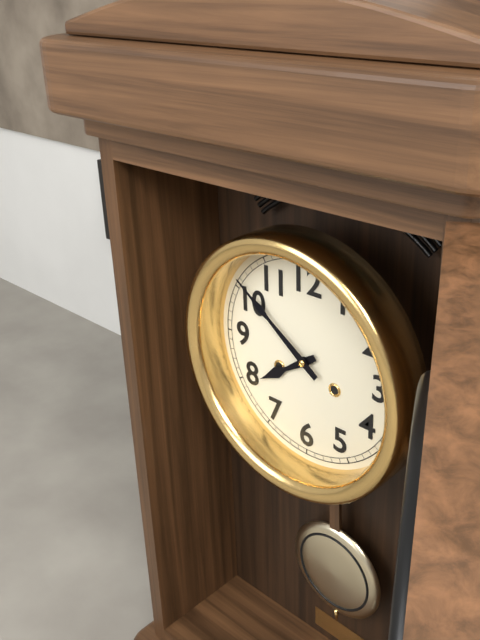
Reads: 7.51
